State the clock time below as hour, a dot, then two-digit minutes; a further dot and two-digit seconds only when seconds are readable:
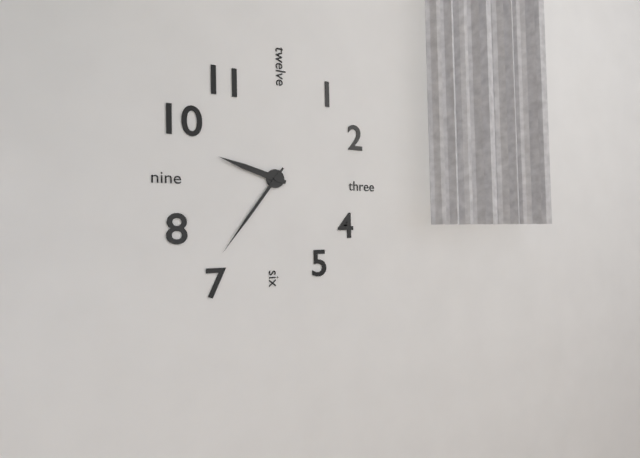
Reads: 9.36
